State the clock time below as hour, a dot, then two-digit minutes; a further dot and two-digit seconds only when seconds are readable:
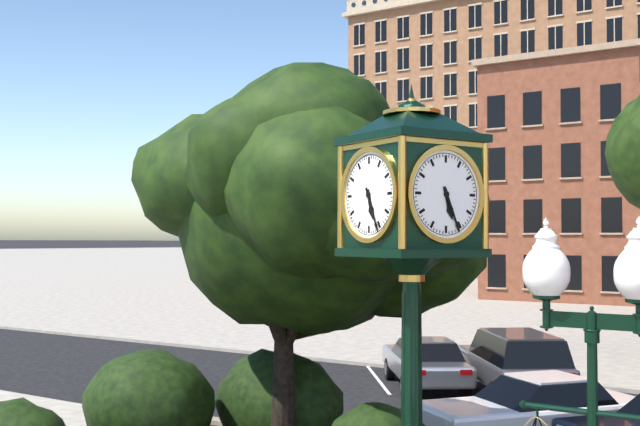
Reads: 5.26
